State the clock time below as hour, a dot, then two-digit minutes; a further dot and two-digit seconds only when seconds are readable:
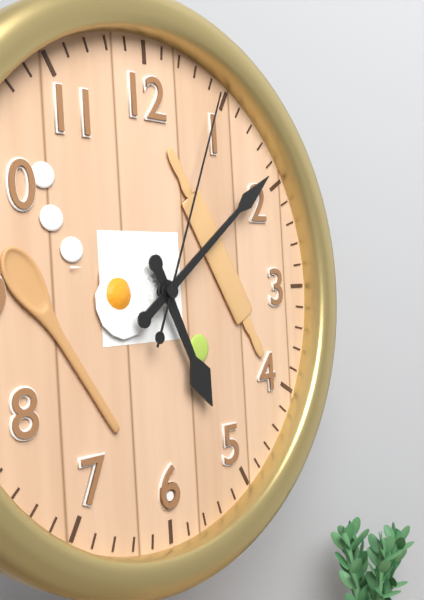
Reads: 5.09.04
